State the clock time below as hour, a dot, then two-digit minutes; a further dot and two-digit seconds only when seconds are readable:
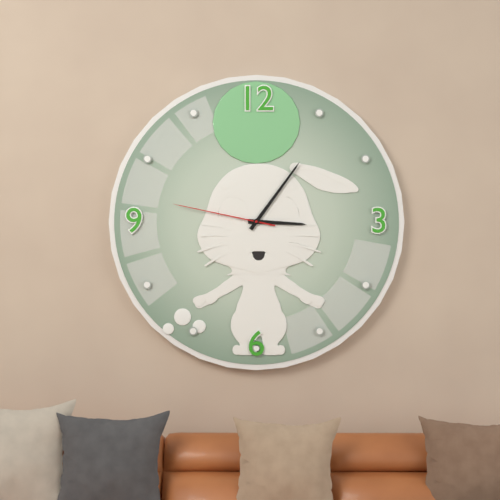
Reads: 3.06.47
